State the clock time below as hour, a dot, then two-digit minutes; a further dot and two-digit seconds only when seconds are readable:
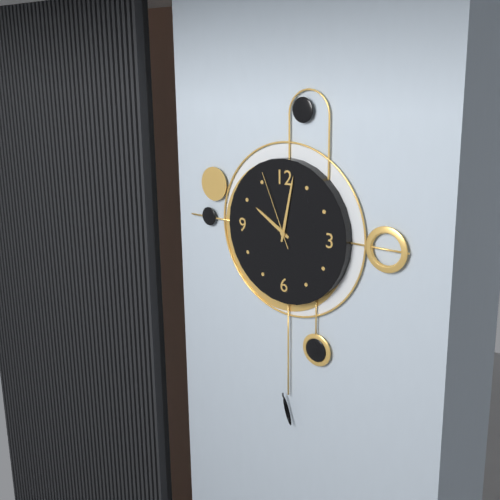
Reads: 10.02.56
